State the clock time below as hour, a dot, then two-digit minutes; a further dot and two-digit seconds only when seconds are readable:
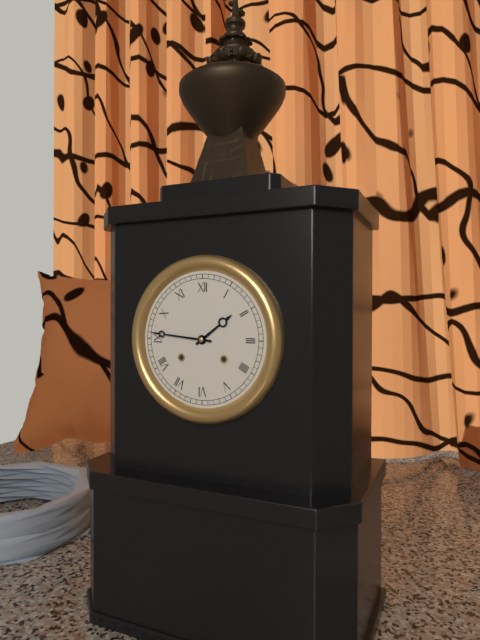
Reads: 1.46
